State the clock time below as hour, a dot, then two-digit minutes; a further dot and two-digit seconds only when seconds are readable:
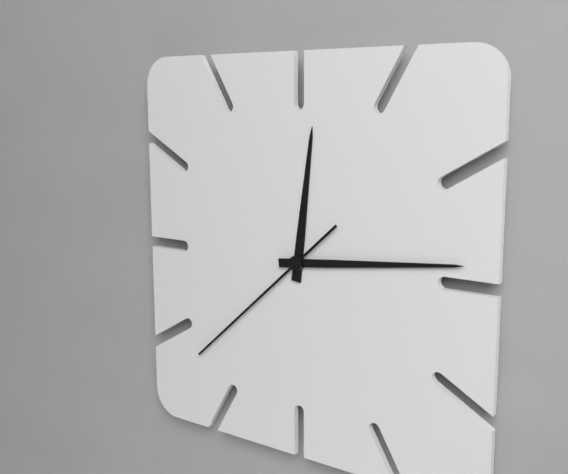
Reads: 12.14.38
